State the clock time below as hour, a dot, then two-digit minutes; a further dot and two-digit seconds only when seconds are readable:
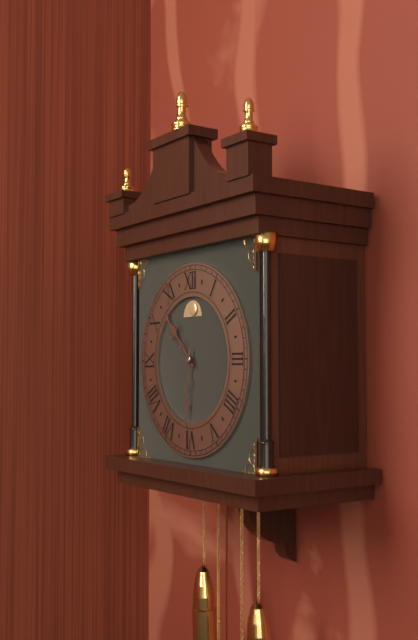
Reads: 10.31
